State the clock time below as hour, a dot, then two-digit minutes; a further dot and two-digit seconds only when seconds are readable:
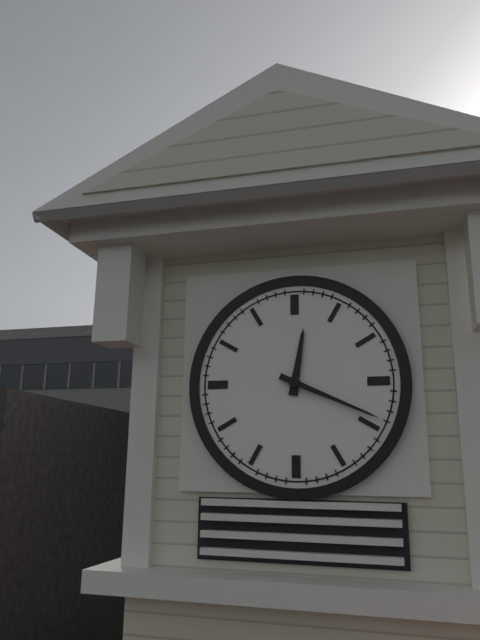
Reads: 12.19
